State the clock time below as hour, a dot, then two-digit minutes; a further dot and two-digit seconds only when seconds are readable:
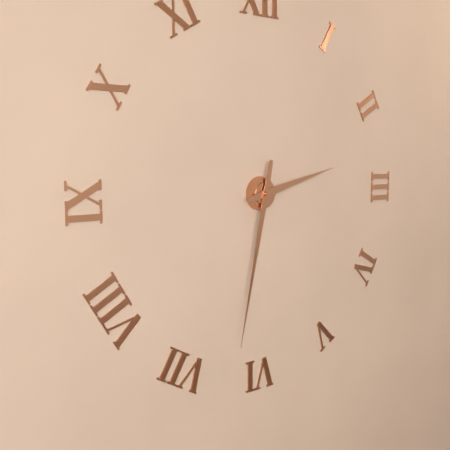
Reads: 2.32
